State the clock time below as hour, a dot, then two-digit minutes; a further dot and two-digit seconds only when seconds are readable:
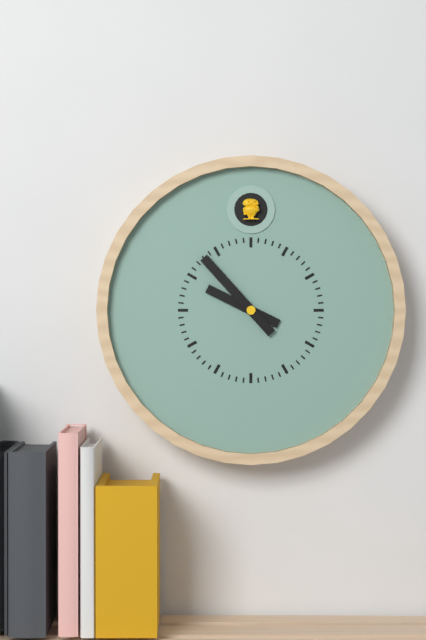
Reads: 9.53
